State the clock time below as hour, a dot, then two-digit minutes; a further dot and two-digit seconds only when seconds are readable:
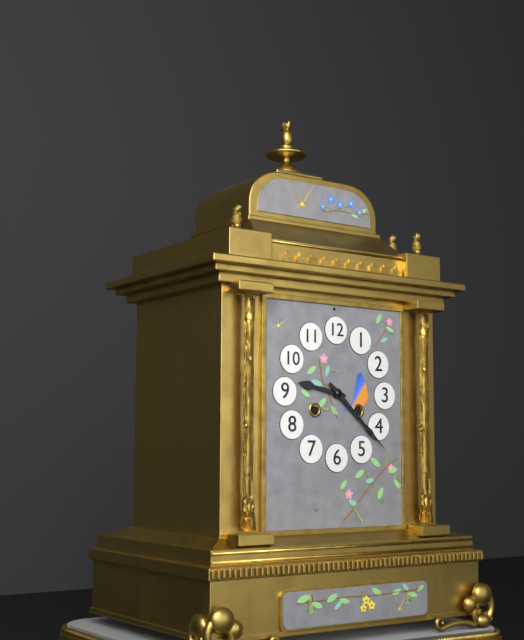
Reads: 9.22
